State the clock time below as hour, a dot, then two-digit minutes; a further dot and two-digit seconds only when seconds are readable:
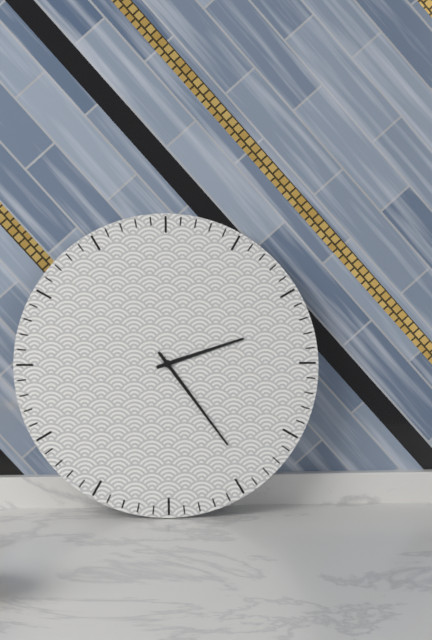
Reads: 2.24
